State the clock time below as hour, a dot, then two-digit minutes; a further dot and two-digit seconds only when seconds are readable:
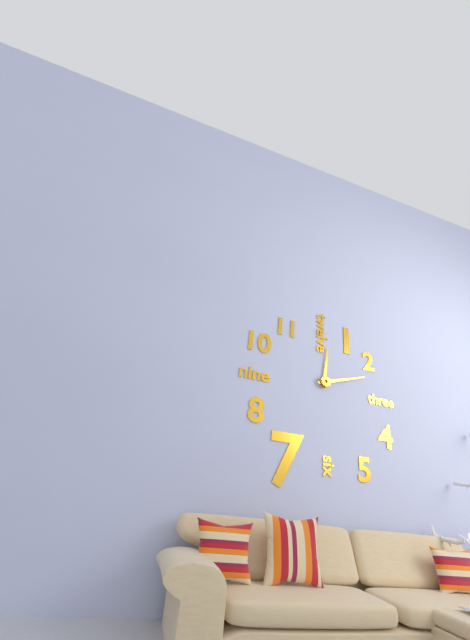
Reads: 12.12
